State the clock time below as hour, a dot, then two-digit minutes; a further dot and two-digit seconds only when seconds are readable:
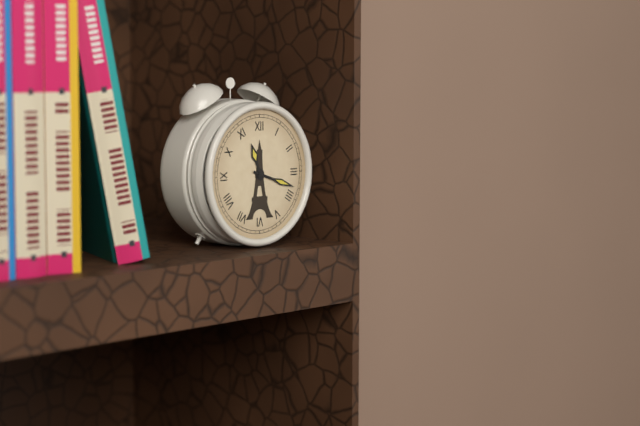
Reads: 11.18
